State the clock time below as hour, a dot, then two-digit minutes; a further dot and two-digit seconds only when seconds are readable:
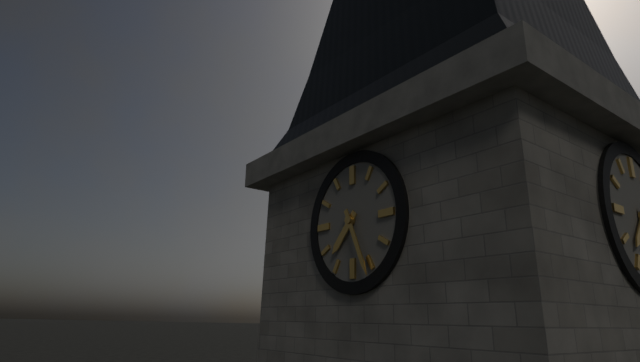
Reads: 7.26
